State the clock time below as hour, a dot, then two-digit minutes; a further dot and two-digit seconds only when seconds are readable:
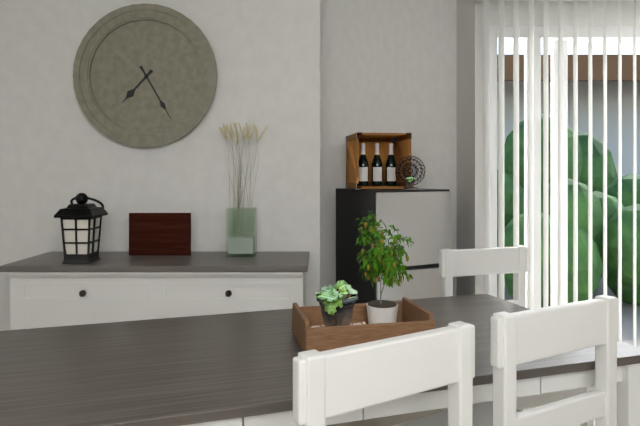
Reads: 7.25
